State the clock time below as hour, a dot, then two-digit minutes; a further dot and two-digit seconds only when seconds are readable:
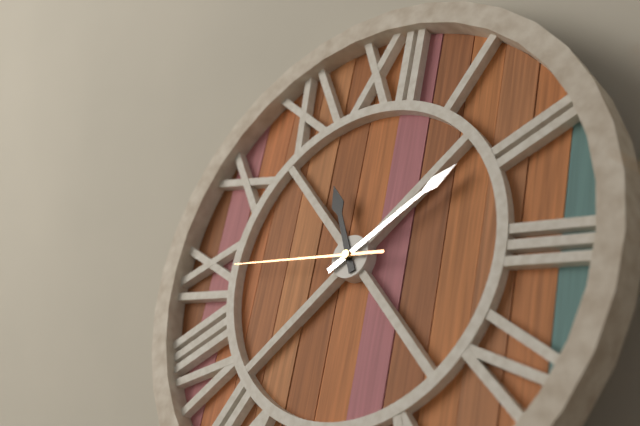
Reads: 11.09.45
